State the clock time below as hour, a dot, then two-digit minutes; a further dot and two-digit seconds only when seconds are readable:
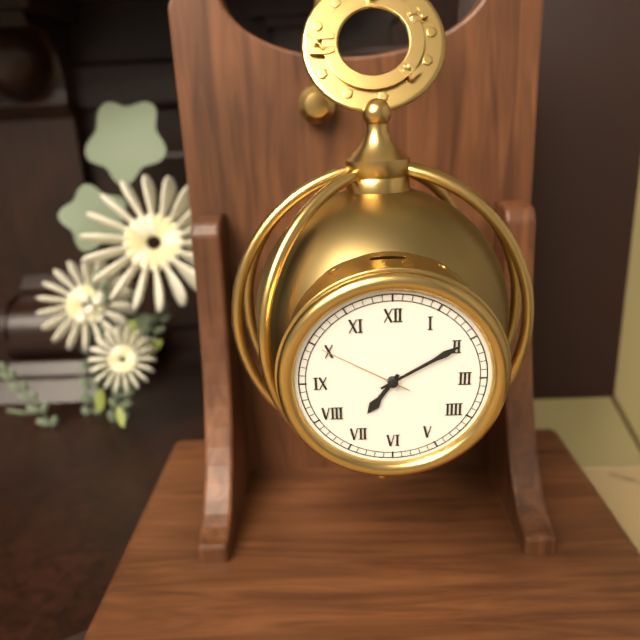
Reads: 7.10.50
